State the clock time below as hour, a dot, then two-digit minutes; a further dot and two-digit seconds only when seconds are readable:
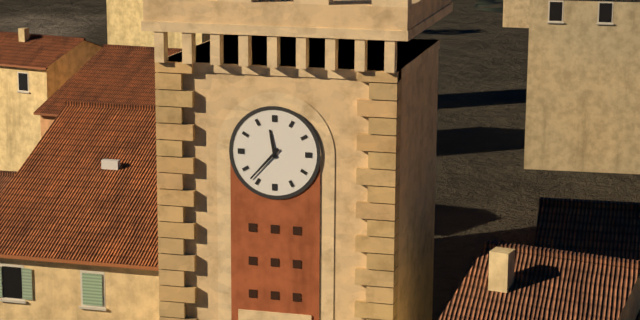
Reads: 11.37
